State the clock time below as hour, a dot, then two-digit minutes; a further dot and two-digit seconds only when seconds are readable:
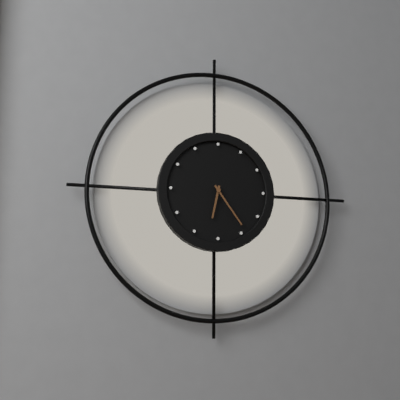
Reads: 6.24
